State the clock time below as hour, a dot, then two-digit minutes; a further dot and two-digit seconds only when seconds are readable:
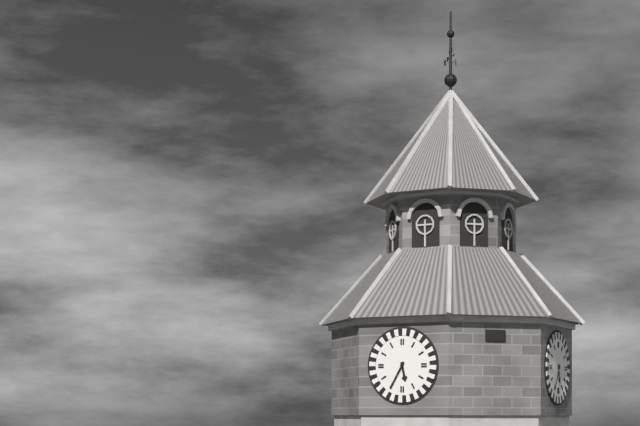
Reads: 5.35
